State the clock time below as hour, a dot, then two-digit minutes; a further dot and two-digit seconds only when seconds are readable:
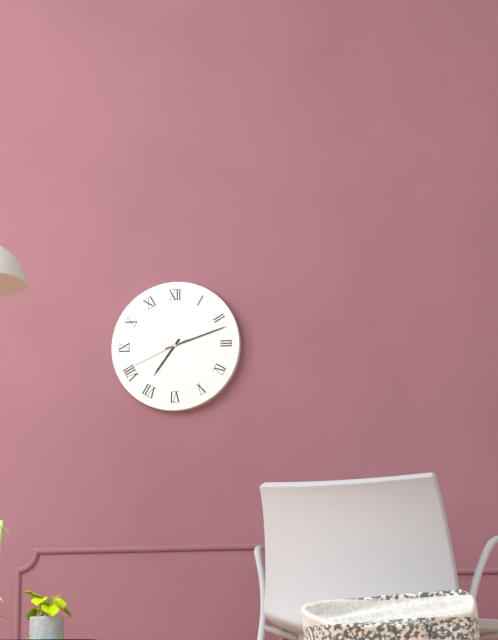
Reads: 7.12.41
